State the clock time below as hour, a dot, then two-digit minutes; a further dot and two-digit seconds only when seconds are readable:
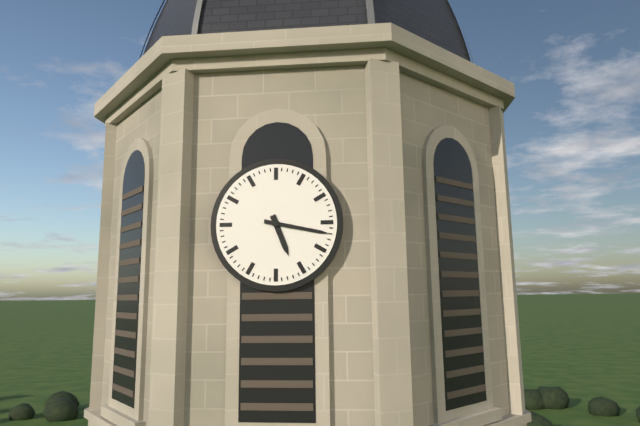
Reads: 5.17
